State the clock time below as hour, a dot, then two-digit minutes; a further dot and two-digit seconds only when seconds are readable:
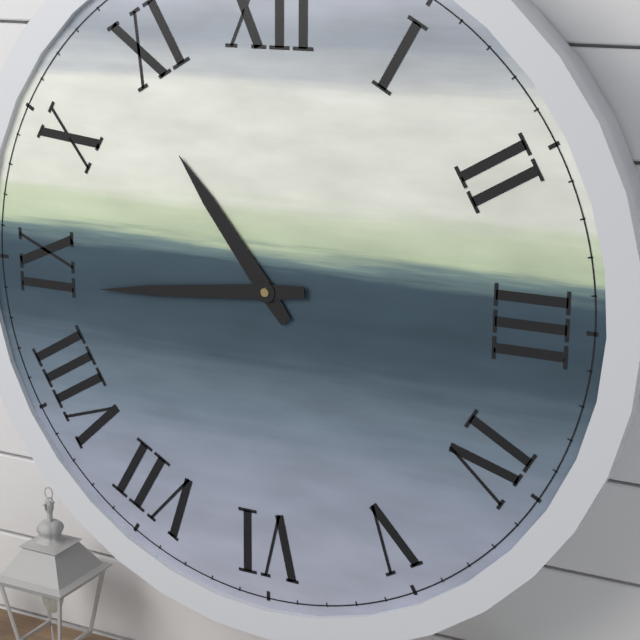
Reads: 10.44
